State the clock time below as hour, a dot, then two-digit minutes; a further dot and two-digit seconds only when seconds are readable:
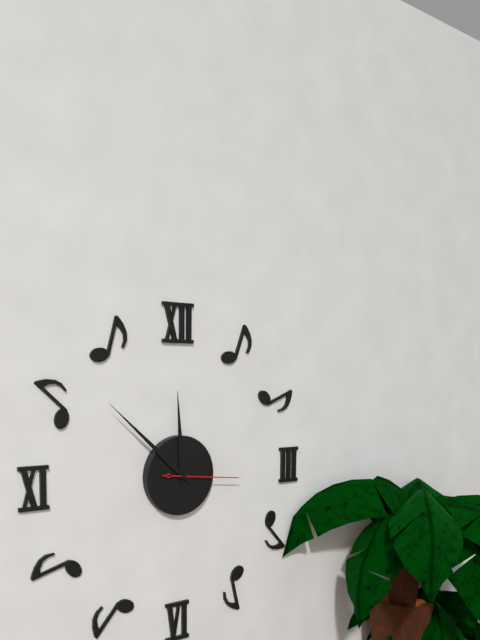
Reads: 11.52.16
